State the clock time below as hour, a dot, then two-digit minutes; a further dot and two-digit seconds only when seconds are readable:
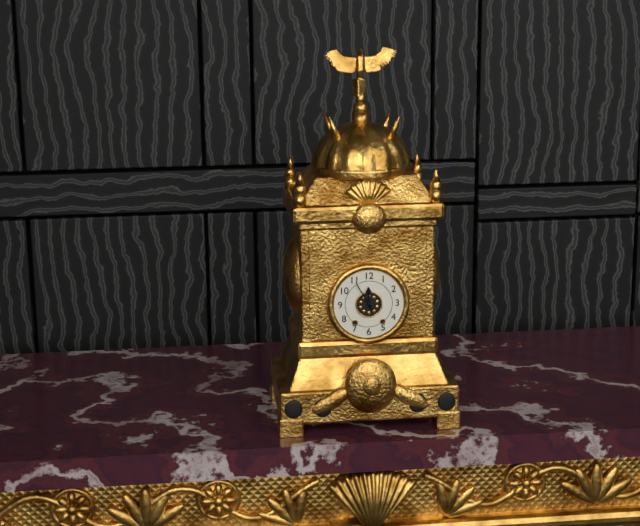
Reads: 11.55
